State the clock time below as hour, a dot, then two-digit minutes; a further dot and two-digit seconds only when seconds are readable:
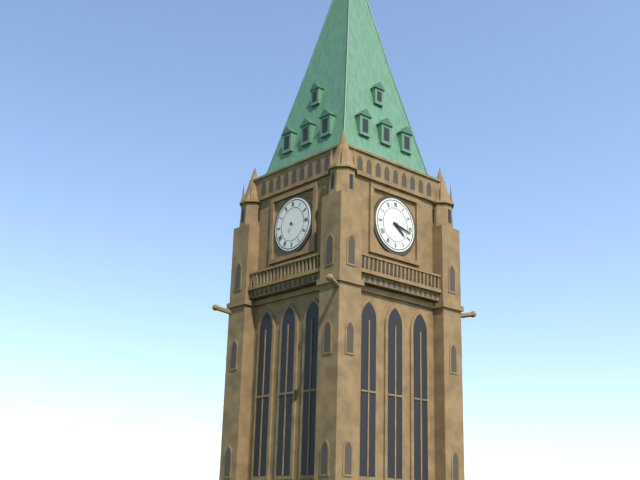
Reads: 4.17
